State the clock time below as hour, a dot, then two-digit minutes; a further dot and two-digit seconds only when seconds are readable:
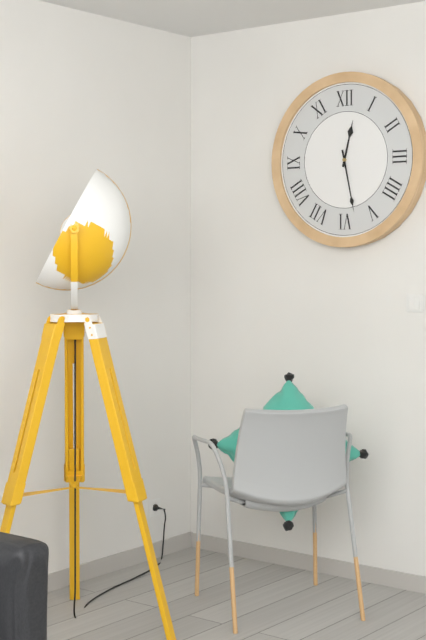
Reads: 12.28
